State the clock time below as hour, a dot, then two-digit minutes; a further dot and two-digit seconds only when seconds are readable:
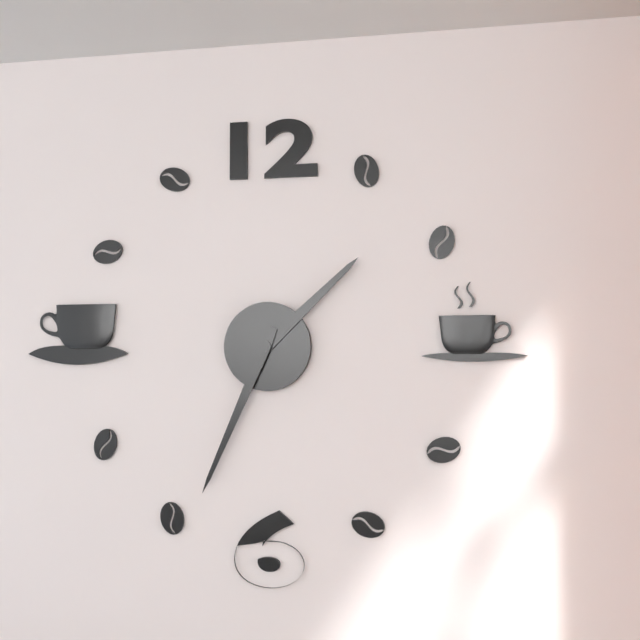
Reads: 1.34
